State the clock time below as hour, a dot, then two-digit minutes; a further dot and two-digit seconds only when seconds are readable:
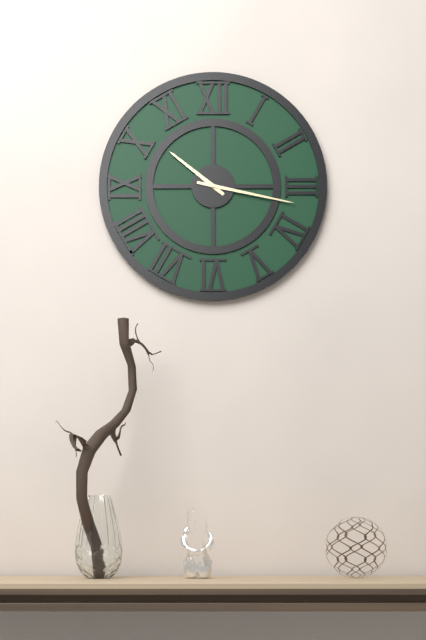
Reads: 10.17
